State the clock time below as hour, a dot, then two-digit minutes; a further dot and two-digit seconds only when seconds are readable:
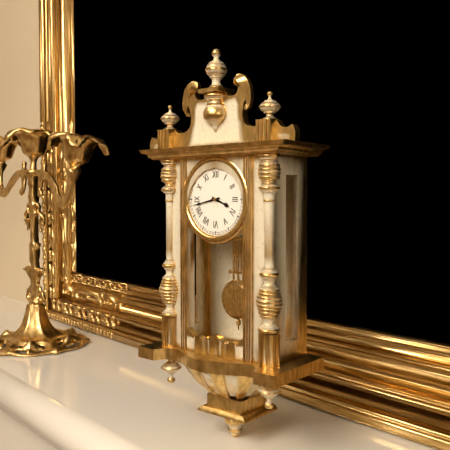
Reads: 3.43
